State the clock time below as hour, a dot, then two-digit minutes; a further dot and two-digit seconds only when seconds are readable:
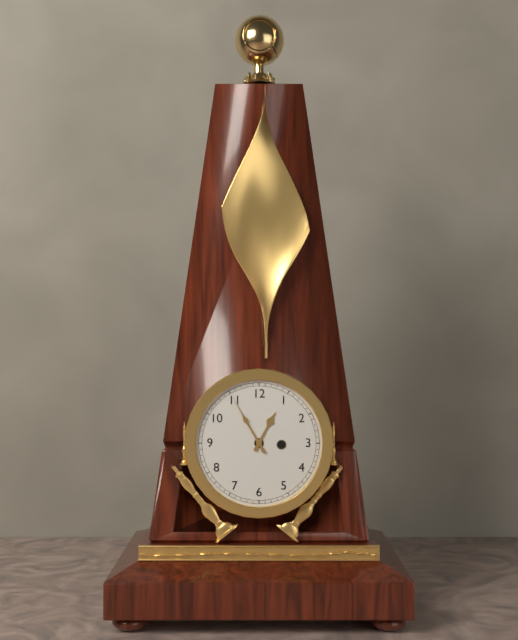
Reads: 12.55
